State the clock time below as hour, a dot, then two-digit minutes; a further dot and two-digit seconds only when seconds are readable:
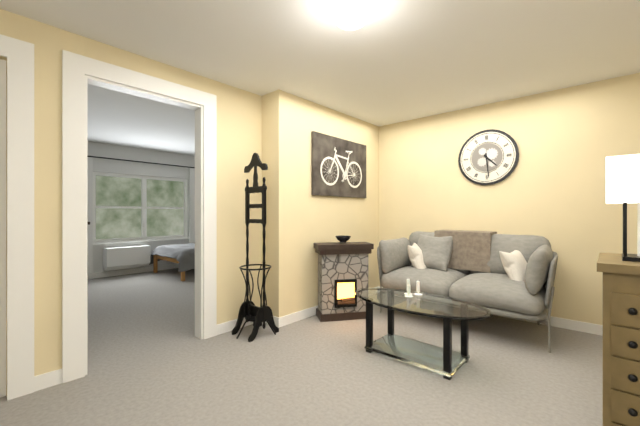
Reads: 4.29
